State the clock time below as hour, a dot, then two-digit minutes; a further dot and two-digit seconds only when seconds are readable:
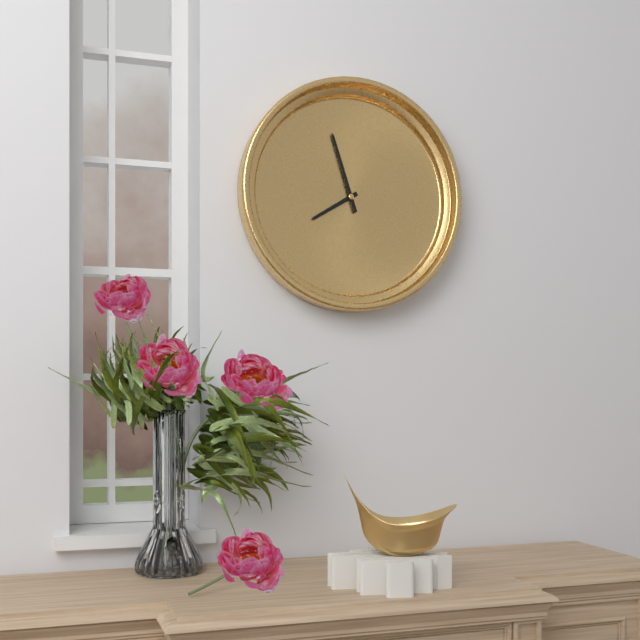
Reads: 7.57
